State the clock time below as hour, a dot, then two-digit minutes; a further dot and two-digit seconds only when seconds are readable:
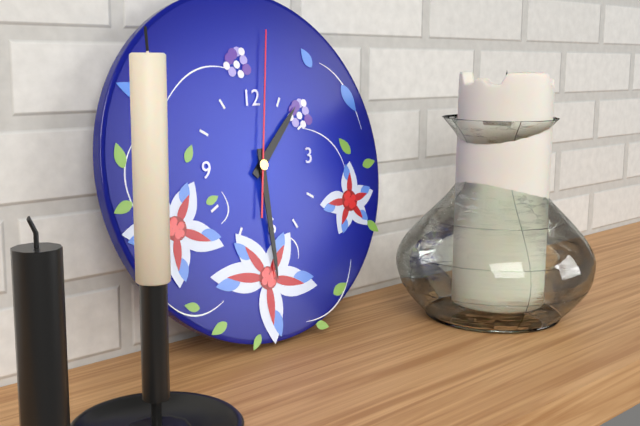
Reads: 1.30.02
